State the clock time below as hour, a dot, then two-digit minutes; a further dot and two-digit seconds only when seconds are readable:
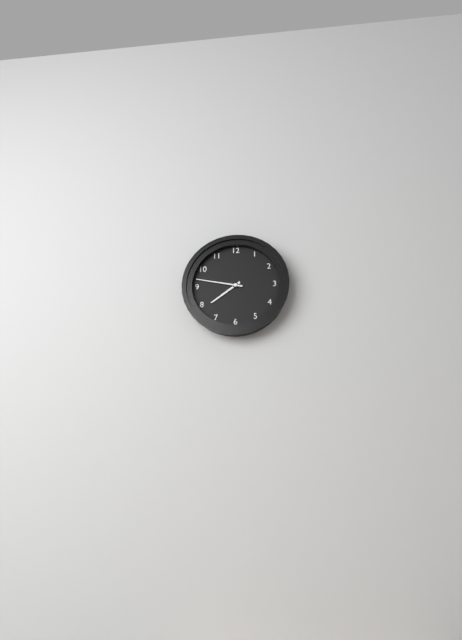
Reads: 7.47
